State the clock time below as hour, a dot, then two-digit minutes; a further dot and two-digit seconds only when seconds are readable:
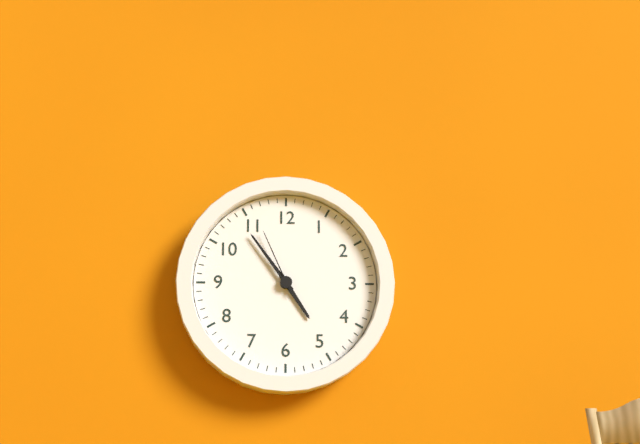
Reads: 4.54.56
